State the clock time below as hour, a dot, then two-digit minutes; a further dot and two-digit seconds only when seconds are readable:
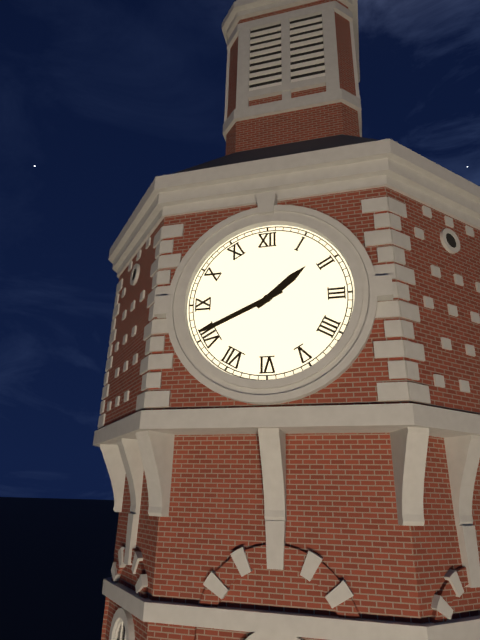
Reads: 1.41
